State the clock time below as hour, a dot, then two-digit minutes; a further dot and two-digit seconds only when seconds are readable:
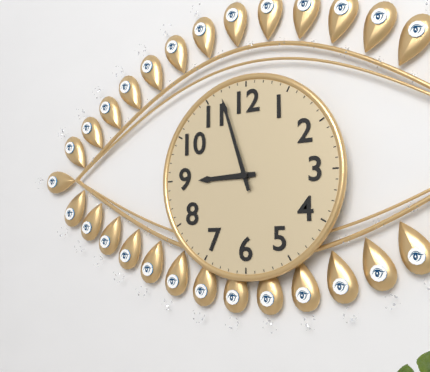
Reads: 8.57
